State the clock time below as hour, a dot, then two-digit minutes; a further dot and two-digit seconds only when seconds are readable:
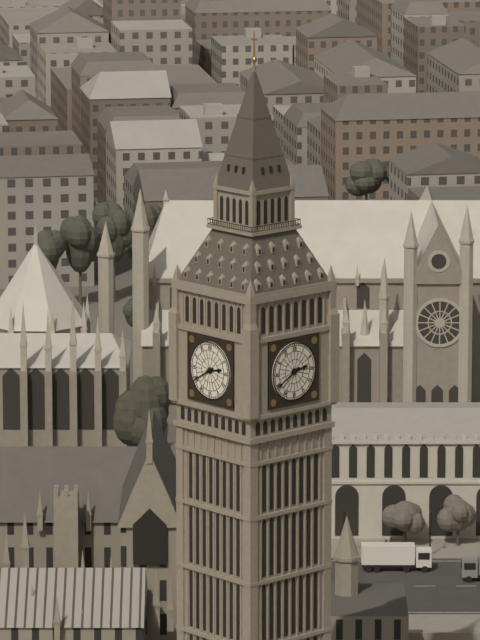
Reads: 2.40
